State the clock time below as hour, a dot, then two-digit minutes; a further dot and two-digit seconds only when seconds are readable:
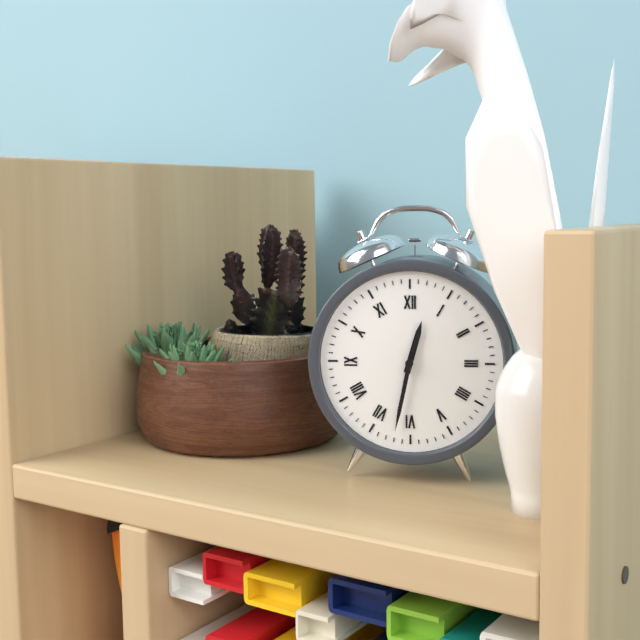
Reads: 12.32
